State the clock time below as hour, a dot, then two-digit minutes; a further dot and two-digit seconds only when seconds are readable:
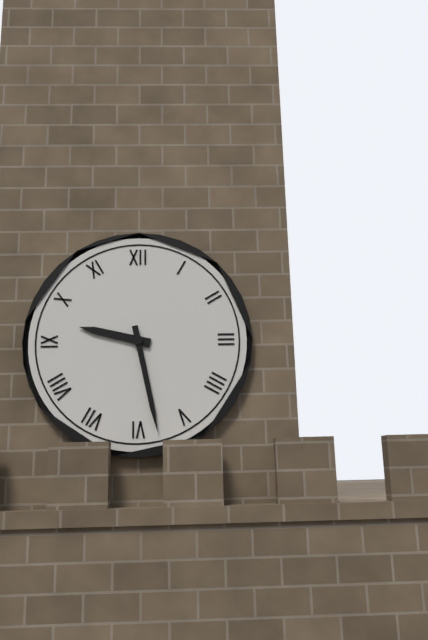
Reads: 9.28
